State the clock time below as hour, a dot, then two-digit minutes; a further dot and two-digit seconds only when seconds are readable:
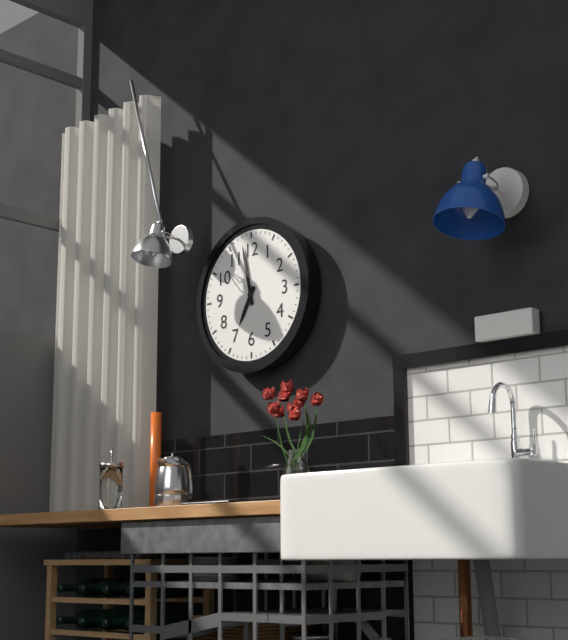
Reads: 6.58
